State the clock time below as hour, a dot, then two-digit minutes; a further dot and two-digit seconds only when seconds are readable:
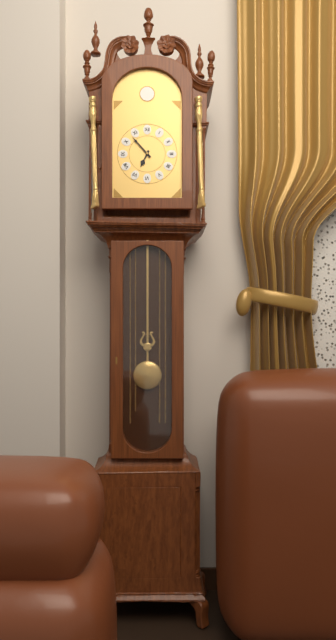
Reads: 6.53
